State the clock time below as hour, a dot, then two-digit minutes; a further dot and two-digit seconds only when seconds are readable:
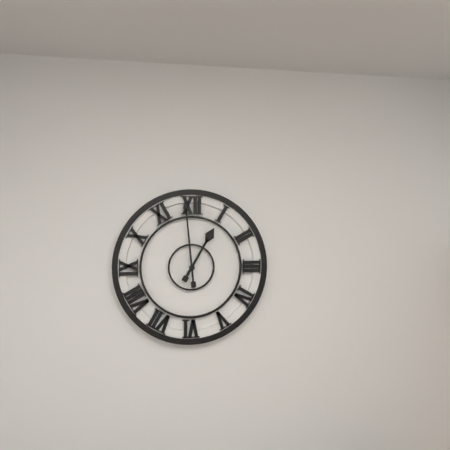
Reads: 12.59
